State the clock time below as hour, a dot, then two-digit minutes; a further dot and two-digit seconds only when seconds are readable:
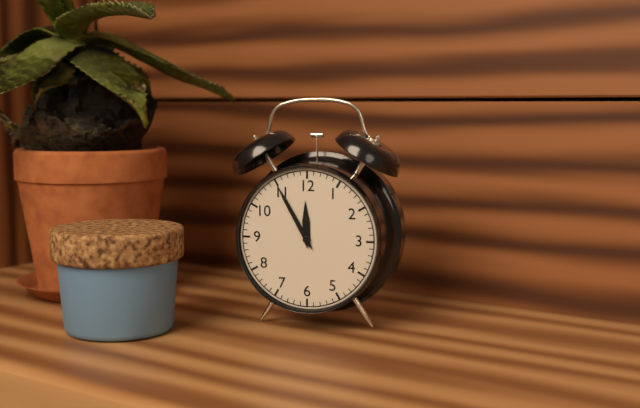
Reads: 11.55
